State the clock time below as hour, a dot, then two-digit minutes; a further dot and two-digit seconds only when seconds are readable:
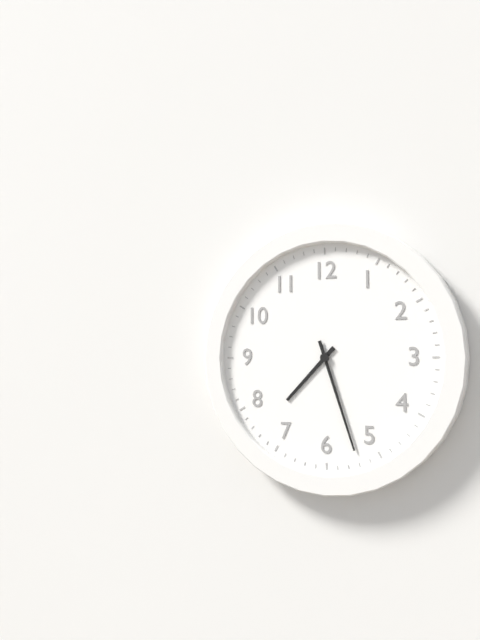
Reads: 7.27
